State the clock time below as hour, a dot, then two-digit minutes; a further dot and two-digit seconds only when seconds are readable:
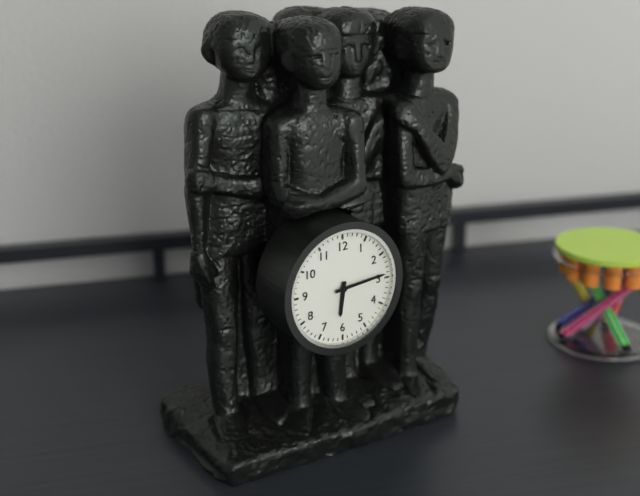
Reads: 6.14
